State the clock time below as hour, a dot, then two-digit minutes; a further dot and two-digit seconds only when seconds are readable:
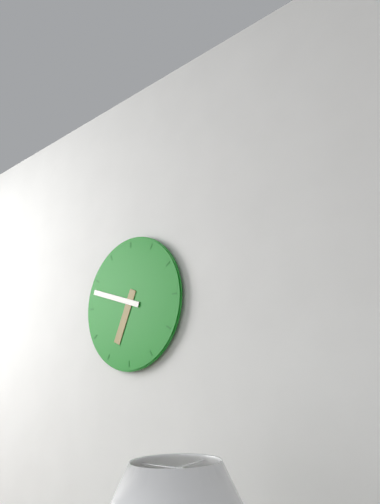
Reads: 6.48
